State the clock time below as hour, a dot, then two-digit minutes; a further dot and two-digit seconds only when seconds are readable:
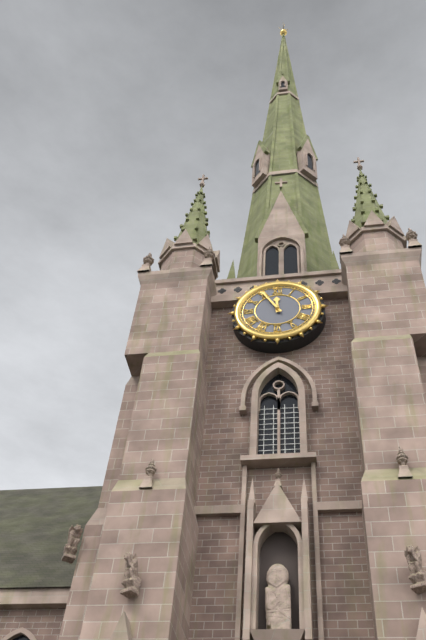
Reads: 11.55
